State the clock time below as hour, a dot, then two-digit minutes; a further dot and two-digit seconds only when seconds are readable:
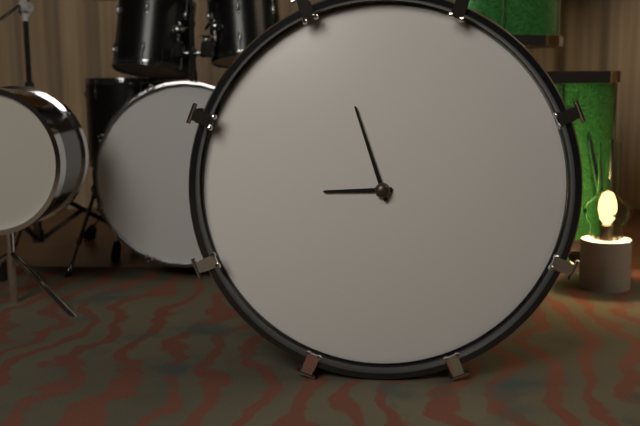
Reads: 8.57
